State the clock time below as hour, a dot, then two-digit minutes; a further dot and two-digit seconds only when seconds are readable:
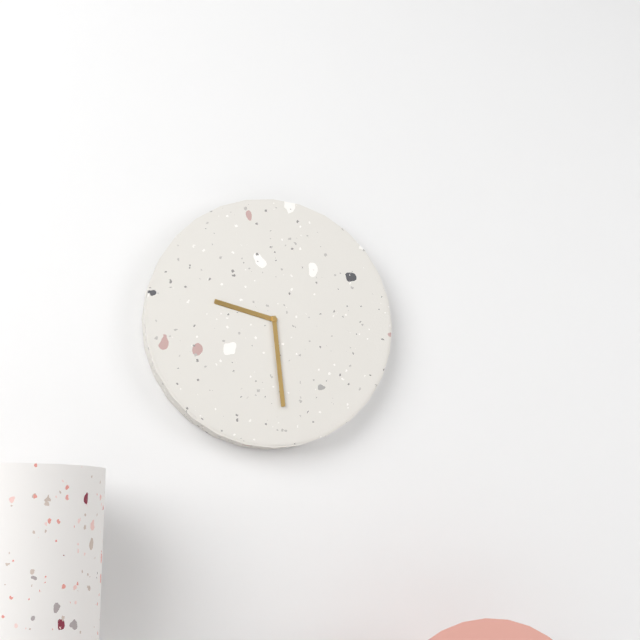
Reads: 9.29
